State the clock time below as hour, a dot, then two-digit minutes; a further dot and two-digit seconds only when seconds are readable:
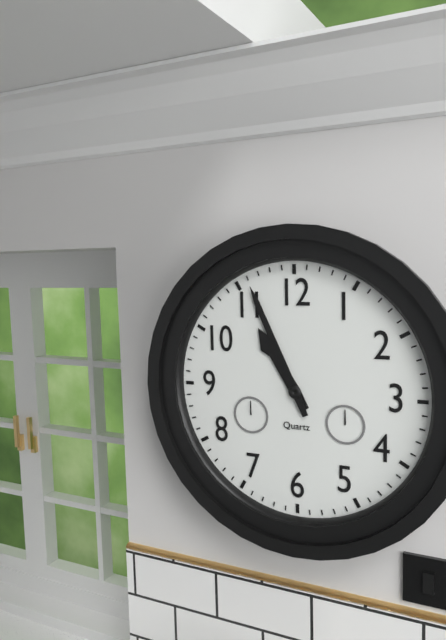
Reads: 10.56
